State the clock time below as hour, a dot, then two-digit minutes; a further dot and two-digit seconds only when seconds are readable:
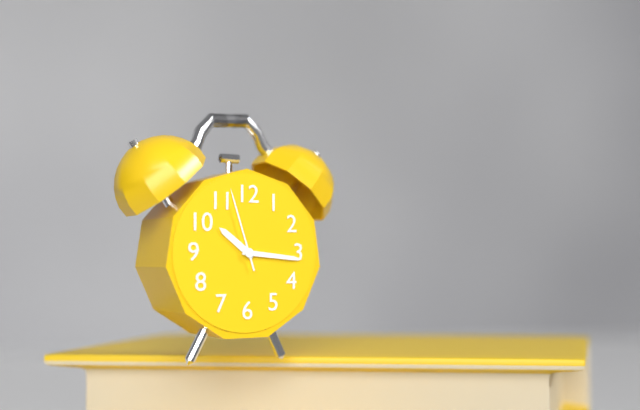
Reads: 10.16.57
